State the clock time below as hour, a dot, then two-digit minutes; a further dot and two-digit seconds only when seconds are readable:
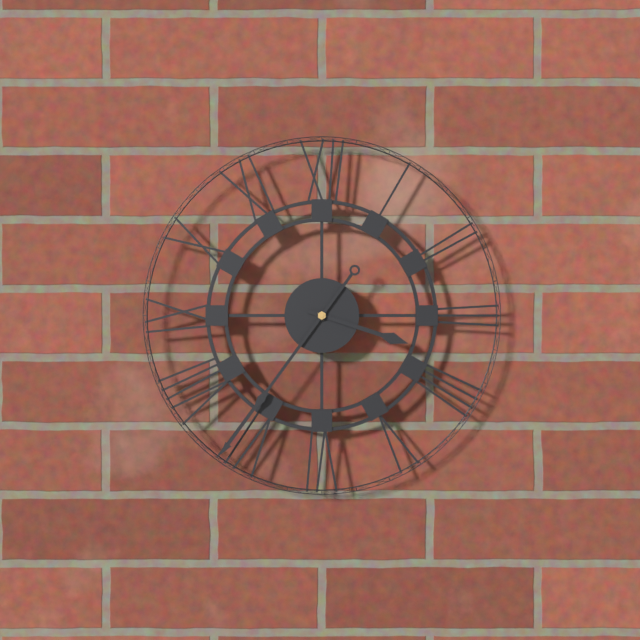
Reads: 3.36
